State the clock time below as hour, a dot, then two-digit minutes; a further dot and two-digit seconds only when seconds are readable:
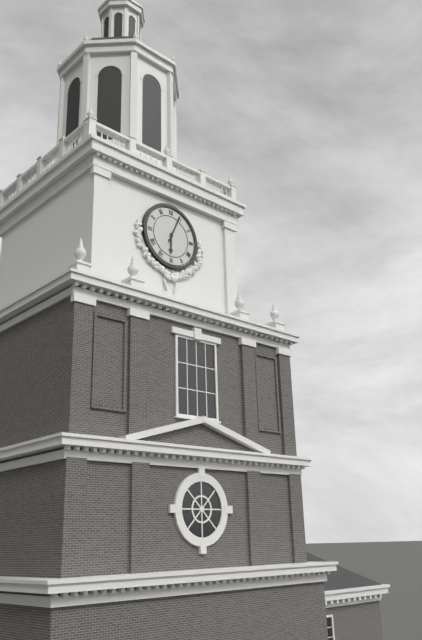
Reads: 6.04
